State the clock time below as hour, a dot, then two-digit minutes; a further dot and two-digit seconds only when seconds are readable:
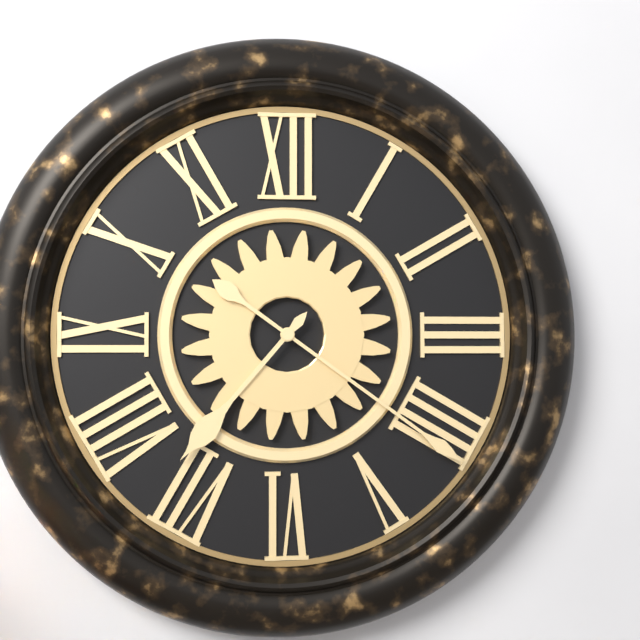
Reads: 7.21
